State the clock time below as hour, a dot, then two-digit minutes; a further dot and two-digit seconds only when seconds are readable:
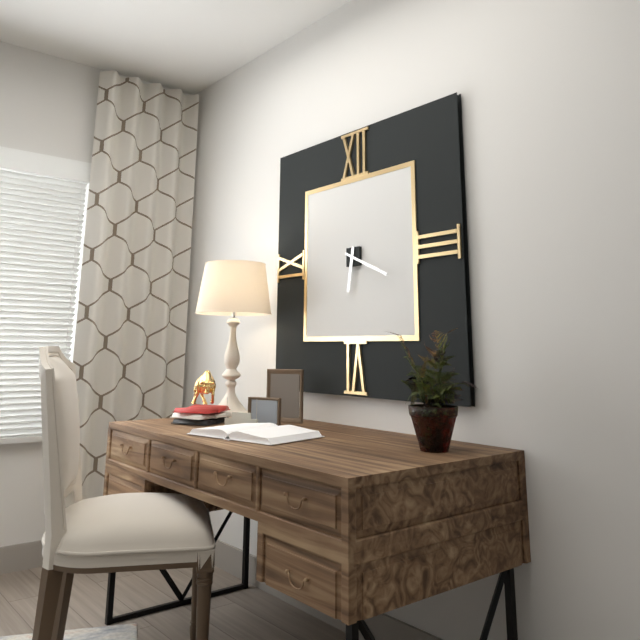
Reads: 6.19
